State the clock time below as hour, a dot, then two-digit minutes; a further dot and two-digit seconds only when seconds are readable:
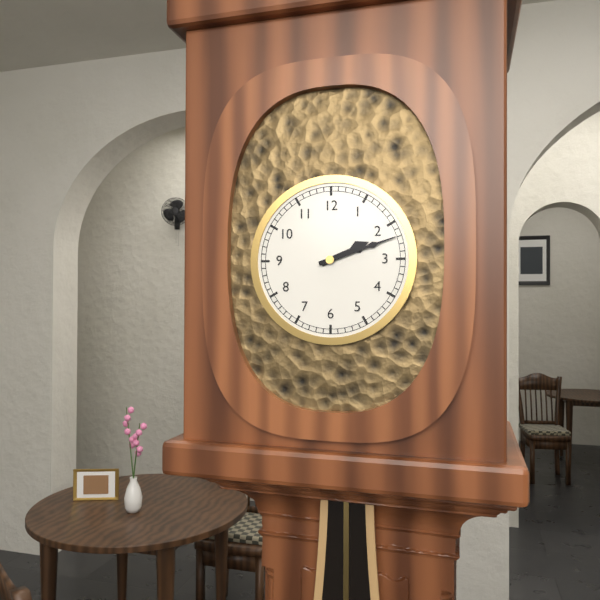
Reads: 2.12
